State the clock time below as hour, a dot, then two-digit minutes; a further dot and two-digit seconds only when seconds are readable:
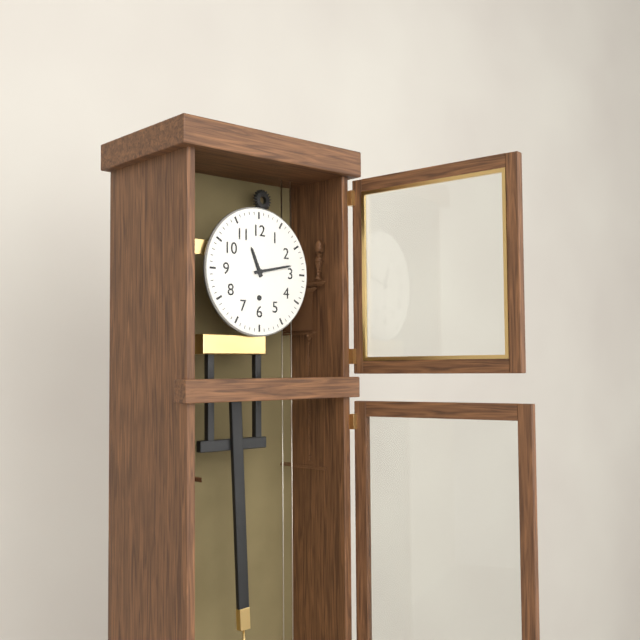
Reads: 11.13
